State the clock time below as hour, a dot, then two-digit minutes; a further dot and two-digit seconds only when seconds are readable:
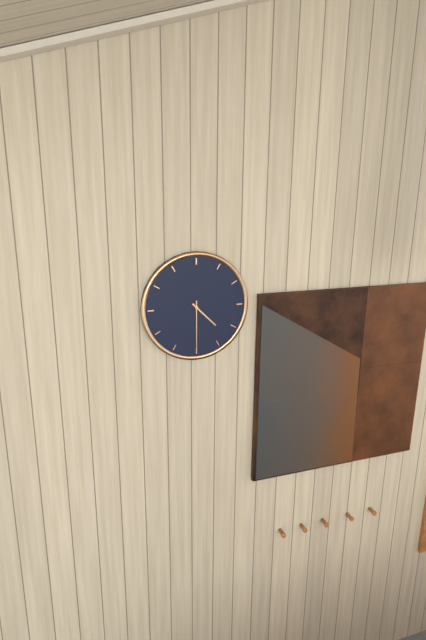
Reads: 4.30
